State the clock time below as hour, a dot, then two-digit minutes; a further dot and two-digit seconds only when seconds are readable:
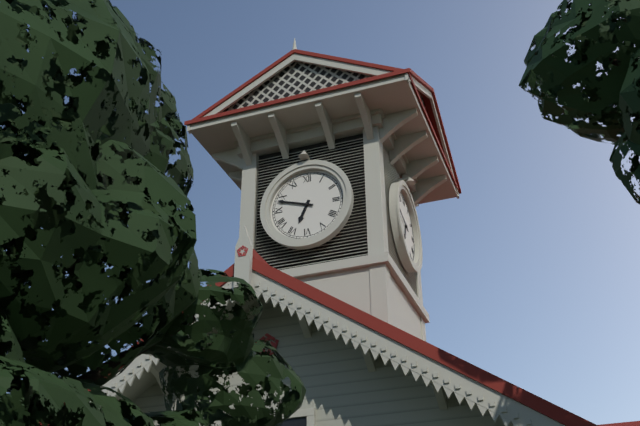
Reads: 6.48
